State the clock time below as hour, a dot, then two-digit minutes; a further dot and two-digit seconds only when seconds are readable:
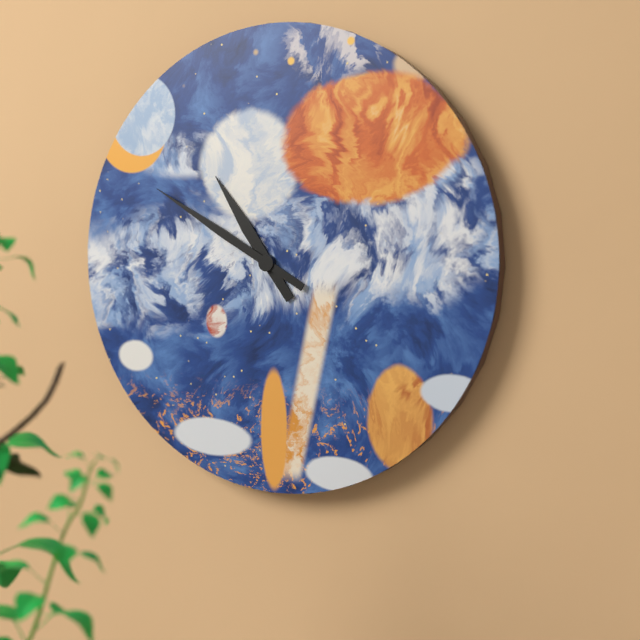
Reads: 10.50
